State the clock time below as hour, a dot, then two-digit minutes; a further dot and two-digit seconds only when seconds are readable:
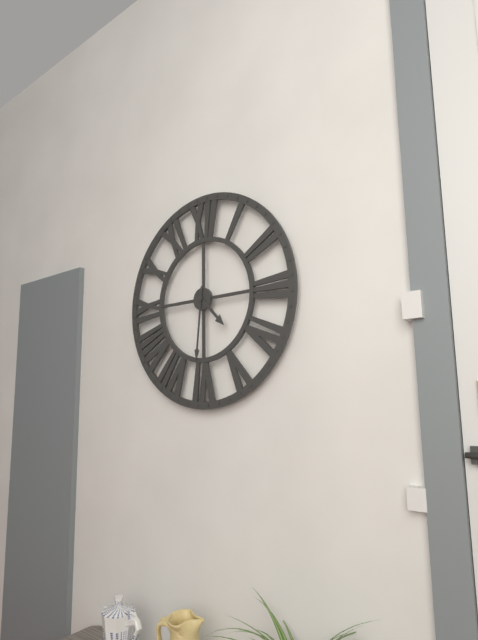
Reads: 4.31
